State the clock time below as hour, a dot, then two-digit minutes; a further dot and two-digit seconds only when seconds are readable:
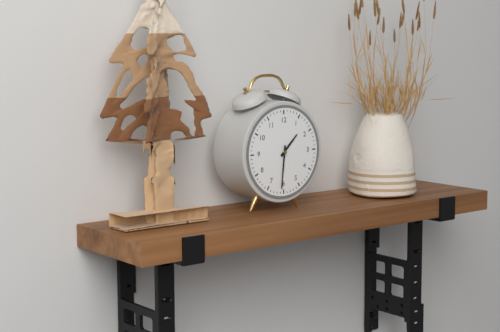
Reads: 1.31
